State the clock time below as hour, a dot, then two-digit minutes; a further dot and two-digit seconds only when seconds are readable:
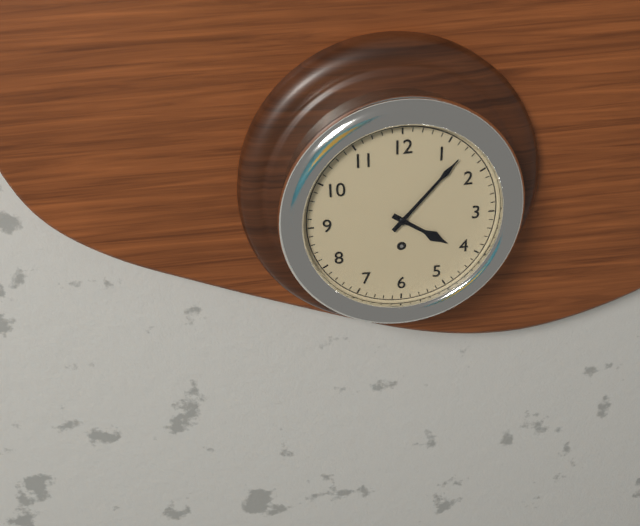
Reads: 4.07
